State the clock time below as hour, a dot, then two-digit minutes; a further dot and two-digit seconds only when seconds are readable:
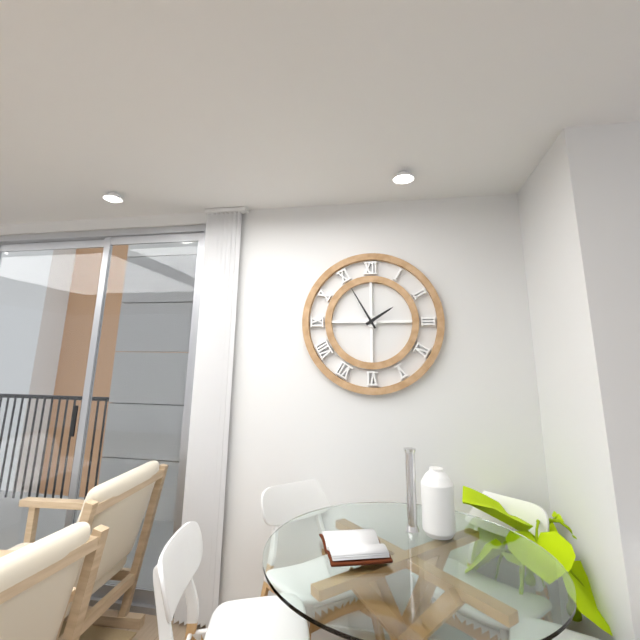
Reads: 1.55
